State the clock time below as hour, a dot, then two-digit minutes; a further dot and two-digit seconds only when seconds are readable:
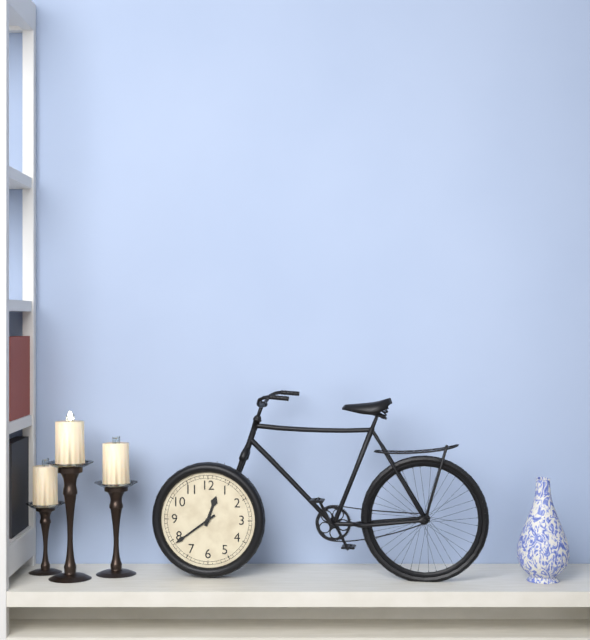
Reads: 12.39
